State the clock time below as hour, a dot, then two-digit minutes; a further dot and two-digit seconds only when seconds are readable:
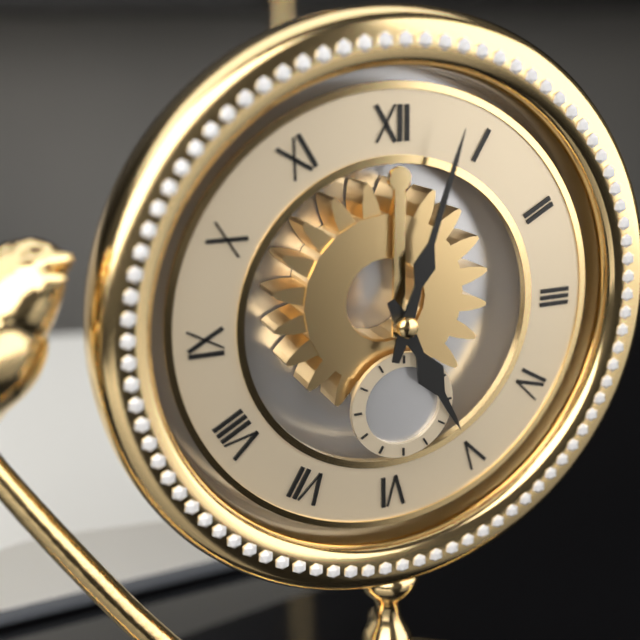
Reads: 5.03
